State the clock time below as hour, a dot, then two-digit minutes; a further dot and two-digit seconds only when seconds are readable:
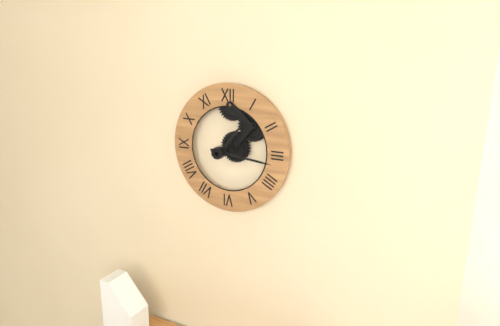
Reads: 1.16
